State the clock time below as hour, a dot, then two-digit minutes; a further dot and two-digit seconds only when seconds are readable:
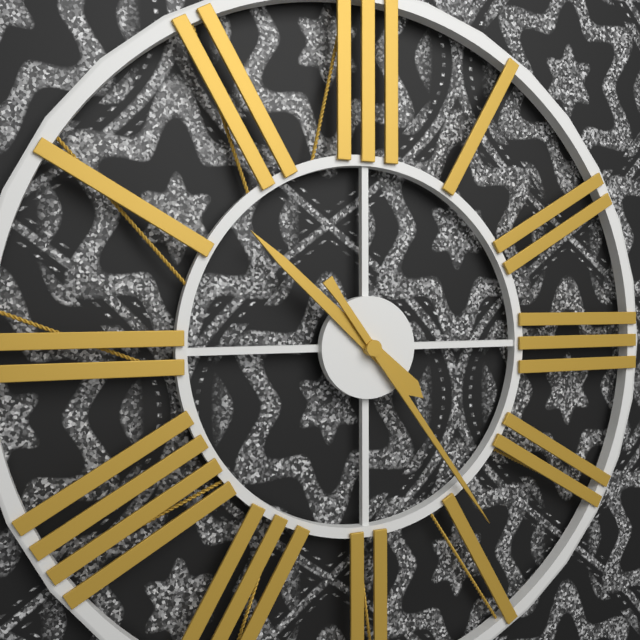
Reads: 10.24
